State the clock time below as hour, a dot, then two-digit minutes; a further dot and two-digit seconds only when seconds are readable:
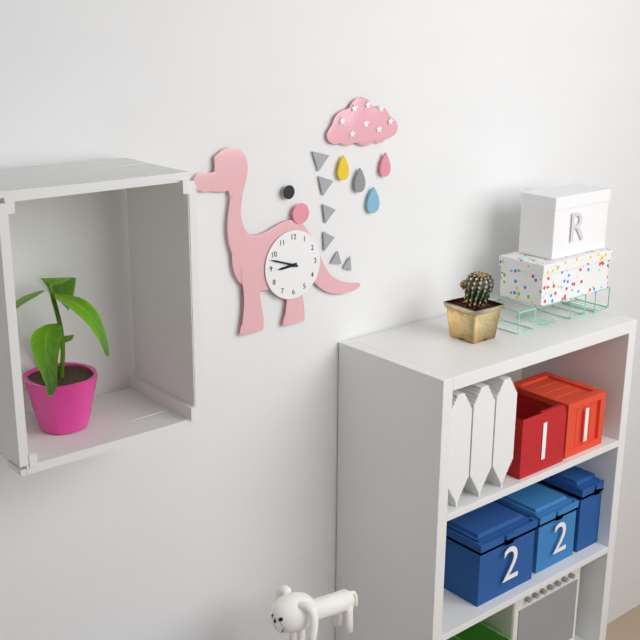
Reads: 8.48
